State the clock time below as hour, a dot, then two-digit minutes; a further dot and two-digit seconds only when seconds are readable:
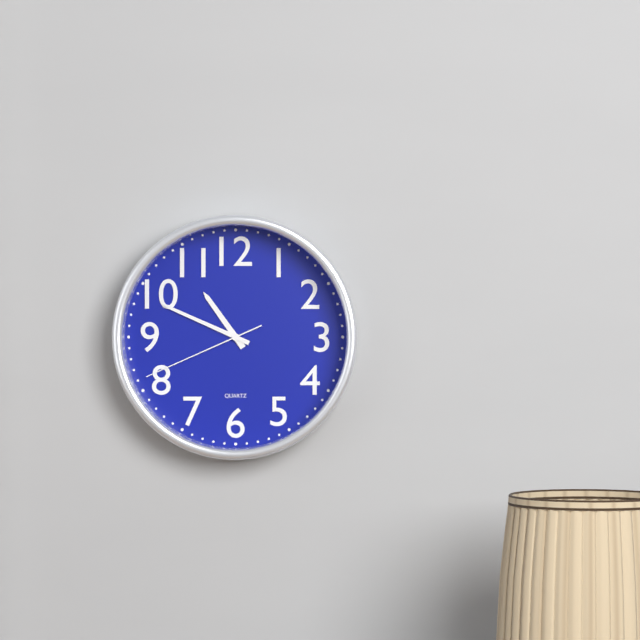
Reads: 10.49.41
